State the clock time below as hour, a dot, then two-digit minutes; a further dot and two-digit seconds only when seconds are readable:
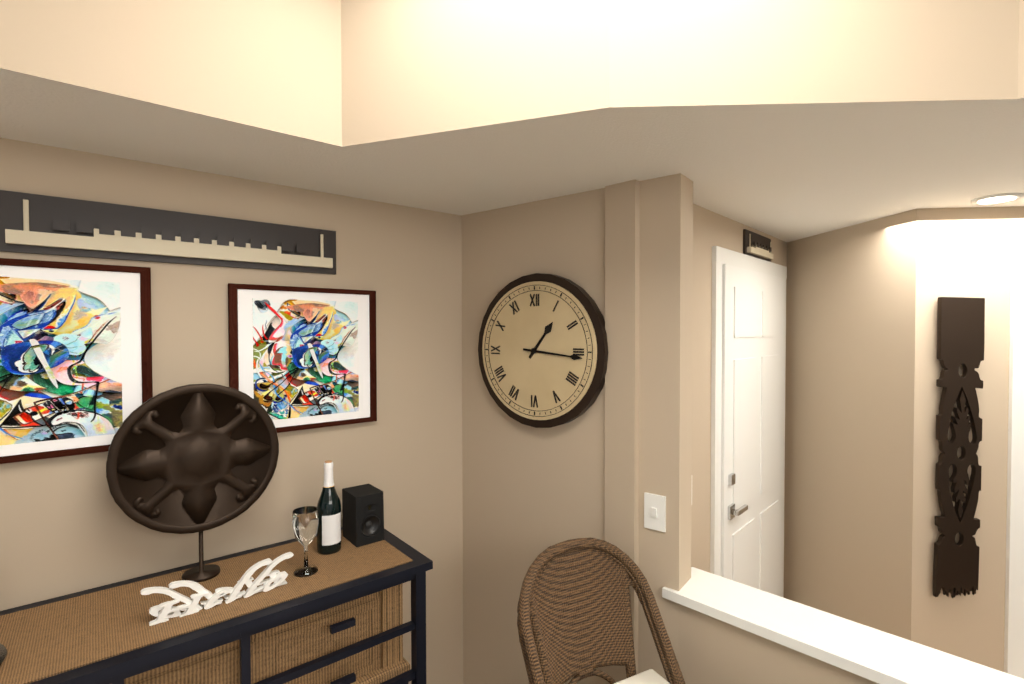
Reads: 1.16
